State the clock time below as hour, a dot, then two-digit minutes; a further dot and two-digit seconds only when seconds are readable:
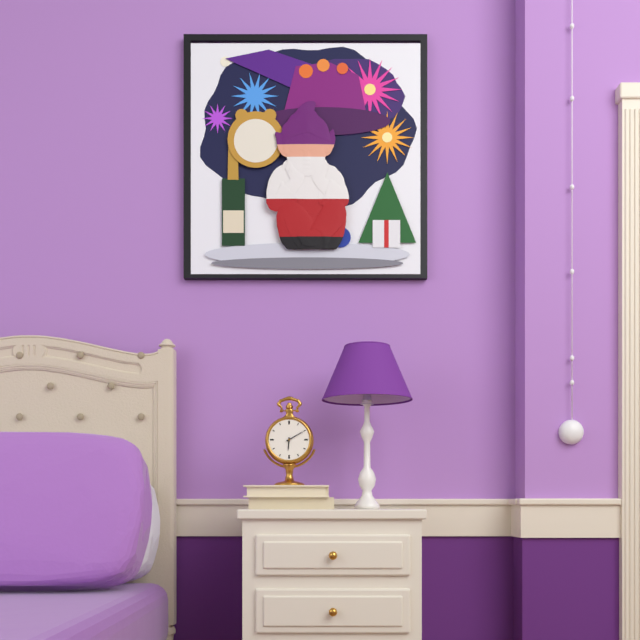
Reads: 6.10
